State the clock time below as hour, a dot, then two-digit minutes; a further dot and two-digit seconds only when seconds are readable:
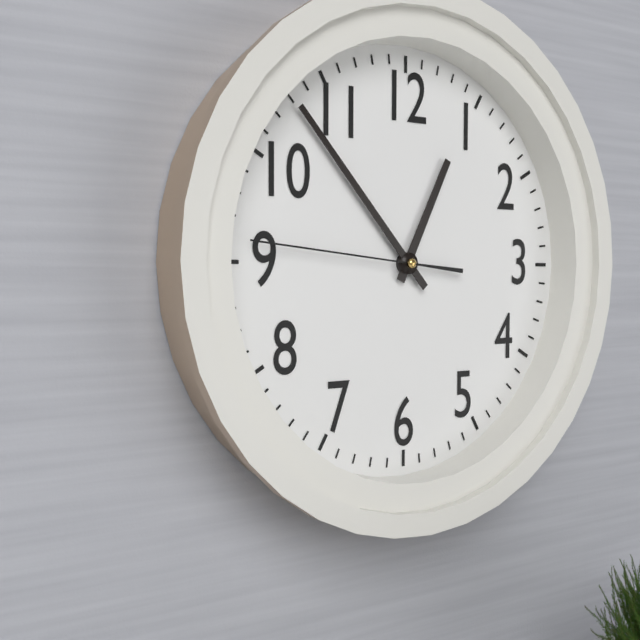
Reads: 12.53.46
